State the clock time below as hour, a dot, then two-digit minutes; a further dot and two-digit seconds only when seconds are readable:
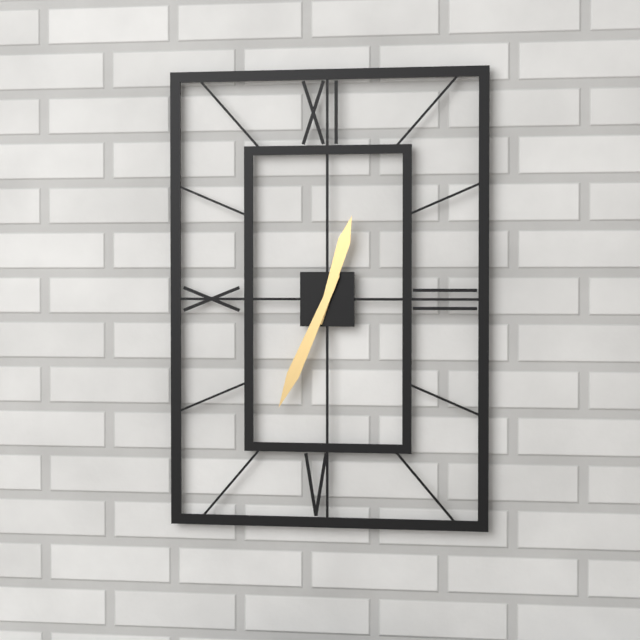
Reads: 12.34
